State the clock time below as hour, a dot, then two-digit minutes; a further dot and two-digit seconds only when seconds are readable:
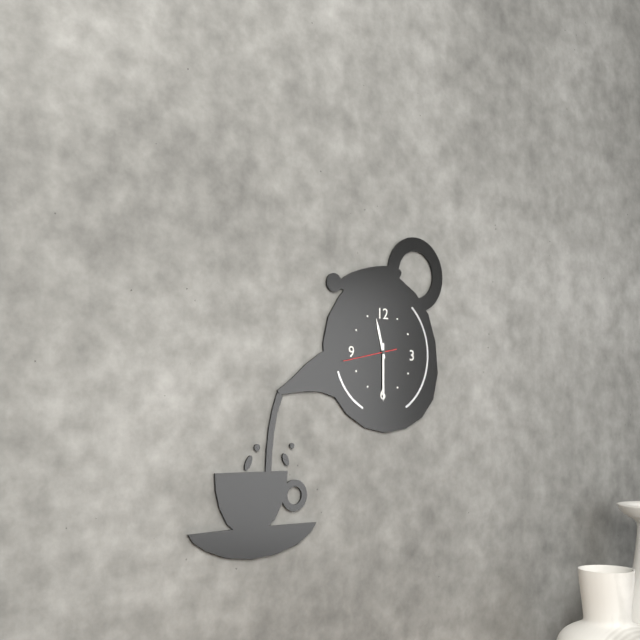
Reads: 11.30.43
